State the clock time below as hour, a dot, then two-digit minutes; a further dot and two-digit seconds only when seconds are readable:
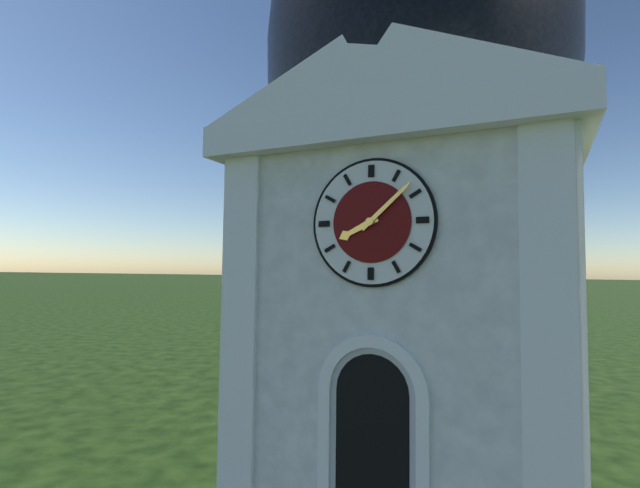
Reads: 8.08
